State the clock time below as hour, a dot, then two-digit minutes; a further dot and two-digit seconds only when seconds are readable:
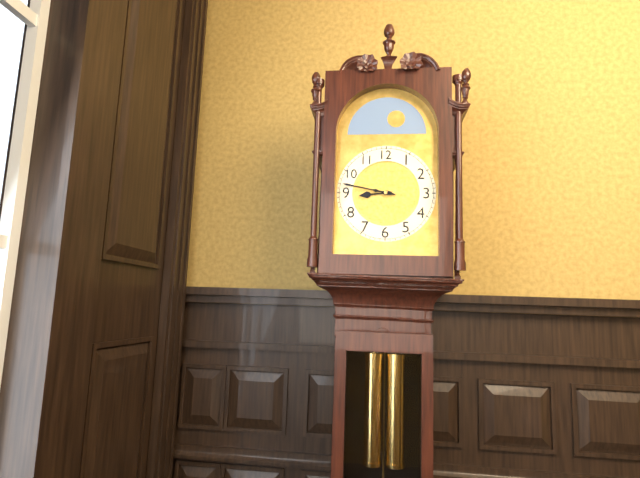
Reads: 8.47
